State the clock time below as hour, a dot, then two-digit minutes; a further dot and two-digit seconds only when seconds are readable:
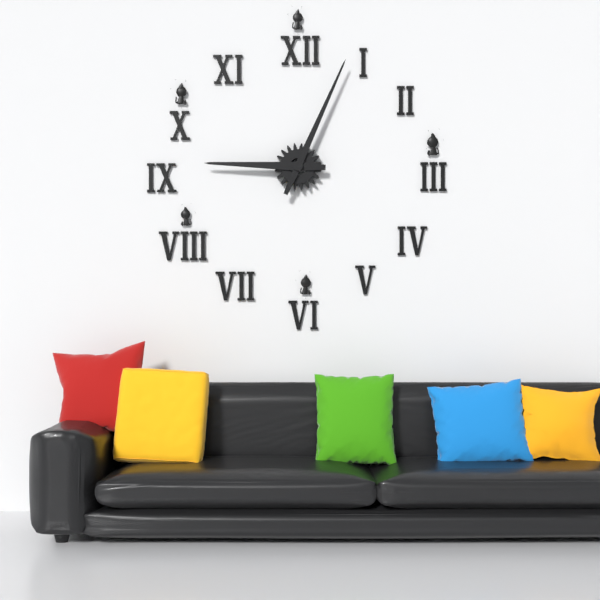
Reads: 9.04
